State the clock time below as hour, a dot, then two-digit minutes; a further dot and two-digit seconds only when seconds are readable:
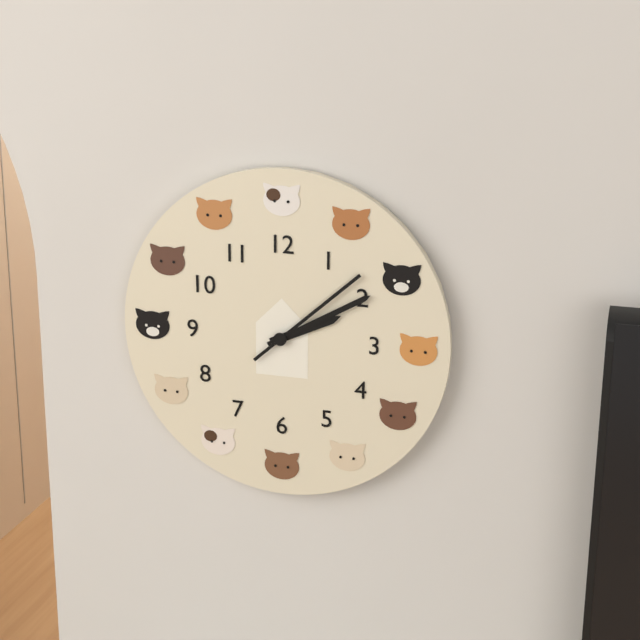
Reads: 2.10.08
